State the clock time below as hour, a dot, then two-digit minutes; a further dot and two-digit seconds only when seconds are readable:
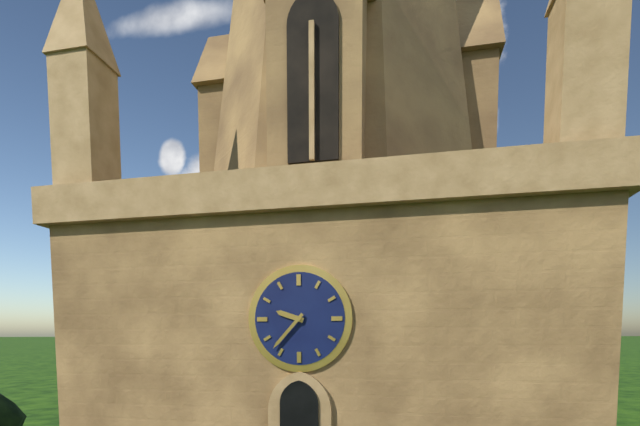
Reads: 9.37
